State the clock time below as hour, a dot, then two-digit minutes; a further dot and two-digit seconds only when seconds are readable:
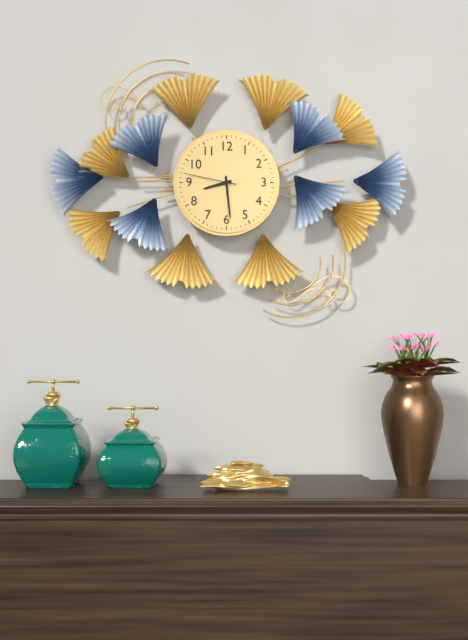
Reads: 8.29.47
